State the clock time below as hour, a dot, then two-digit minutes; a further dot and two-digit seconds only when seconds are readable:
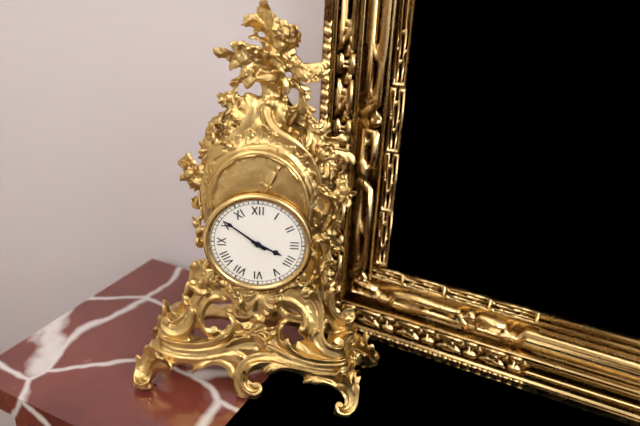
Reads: 3.51
